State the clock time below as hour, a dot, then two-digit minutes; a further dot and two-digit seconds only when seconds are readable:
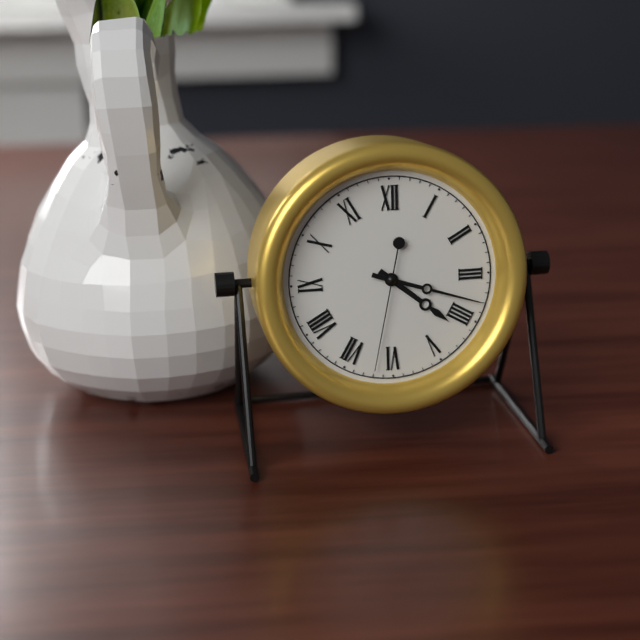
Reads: 4.18.32
